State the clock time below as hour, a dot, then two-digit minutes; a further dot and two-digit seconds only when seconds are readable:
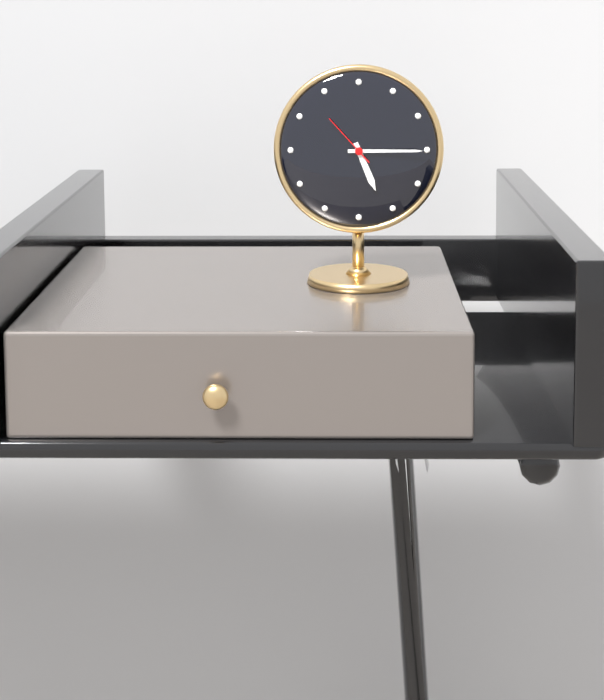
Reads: 5.15.53
